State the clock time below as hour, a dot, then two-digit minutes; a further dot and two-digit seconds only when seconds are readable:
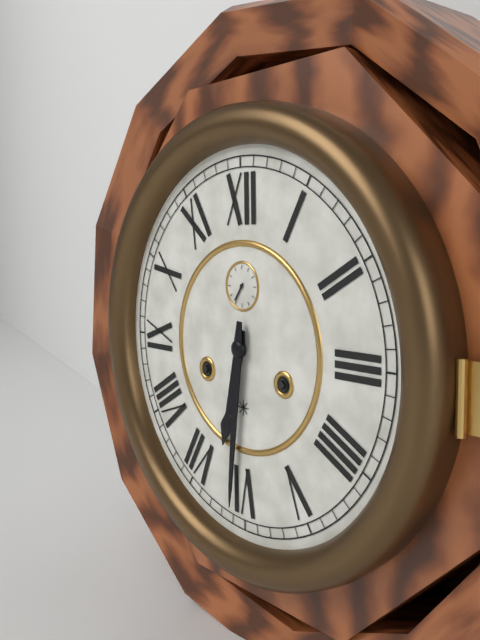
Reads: 6.31
